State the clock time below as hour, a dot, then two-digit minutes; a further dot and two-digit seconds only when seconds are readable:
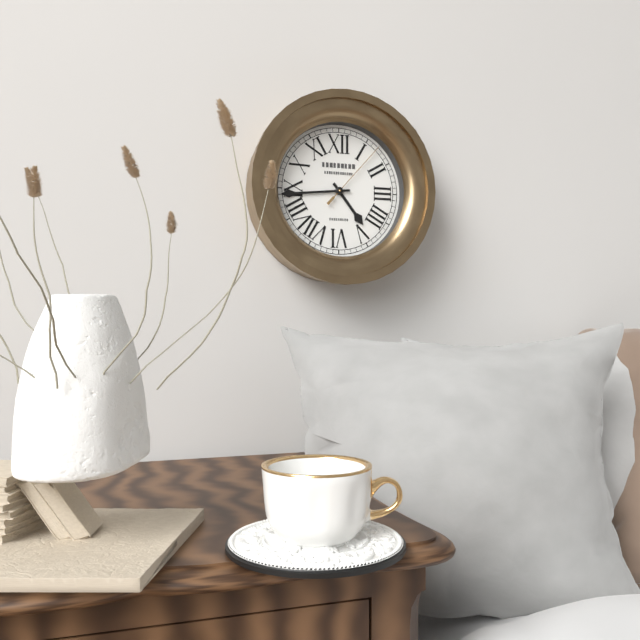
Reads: 4.44.07
